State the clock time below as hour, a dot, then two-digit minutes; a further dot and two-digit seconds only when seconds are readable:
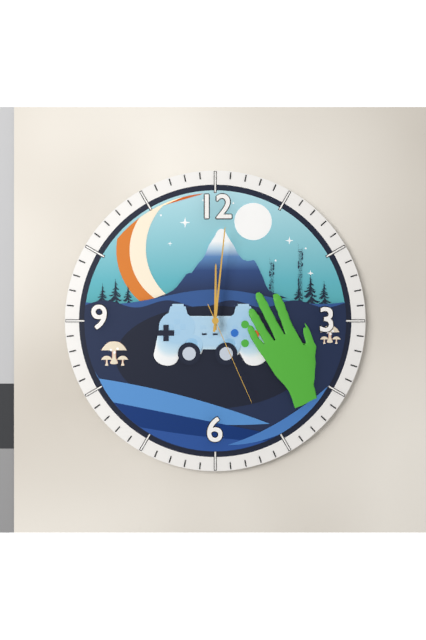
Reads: 12.01.26
